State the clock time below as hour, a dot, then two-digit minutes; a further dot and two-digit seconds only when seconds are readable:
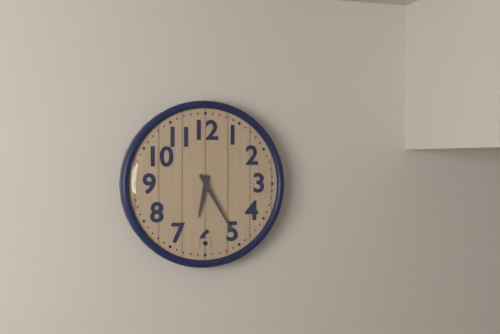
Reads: 6.25
